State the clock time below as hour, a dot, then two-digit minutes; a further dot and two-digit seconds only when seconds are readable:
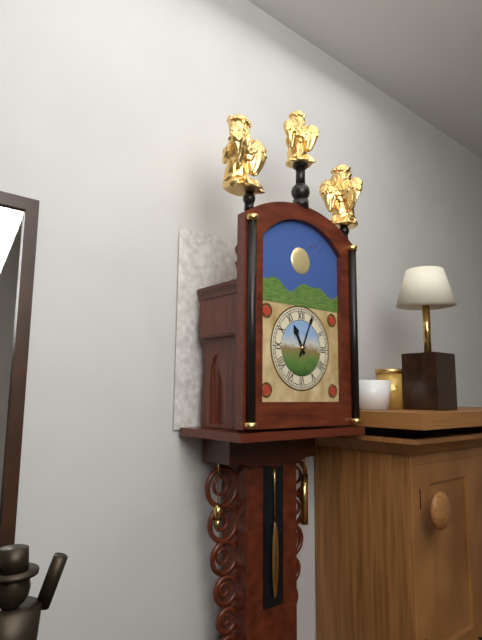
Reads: 11.04
